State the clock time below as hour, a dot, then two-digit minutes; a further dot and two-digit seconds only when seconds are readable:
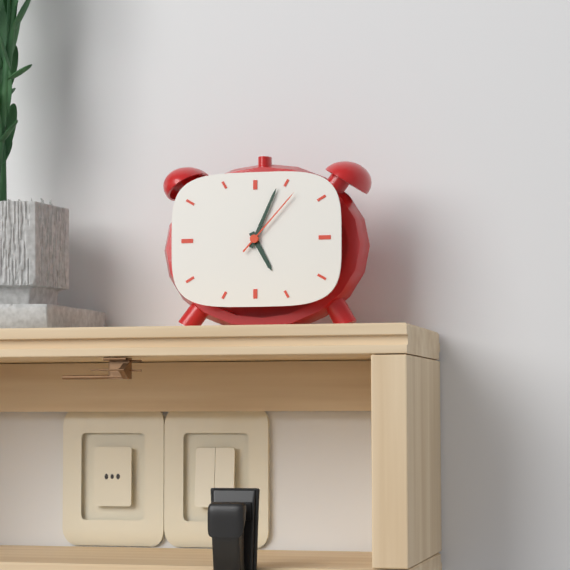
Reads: 5.04.07
